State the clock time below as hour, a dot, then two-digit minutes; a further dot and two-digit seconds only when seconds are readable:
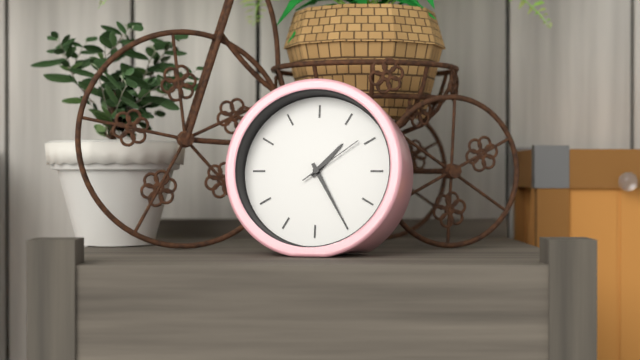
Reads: 1.25.09
